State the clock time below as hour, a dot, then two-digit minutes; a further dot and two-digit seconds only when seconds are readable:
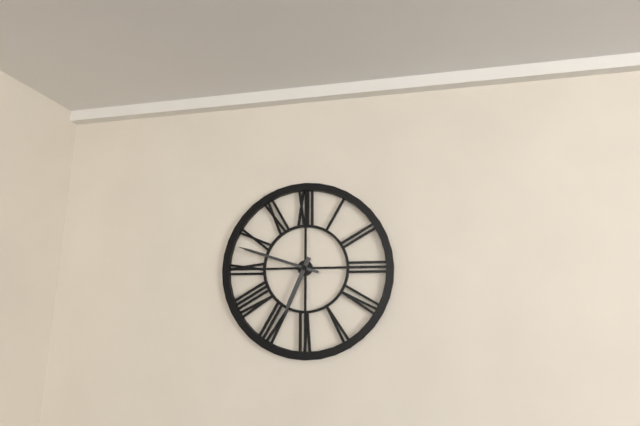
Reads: 6.48
